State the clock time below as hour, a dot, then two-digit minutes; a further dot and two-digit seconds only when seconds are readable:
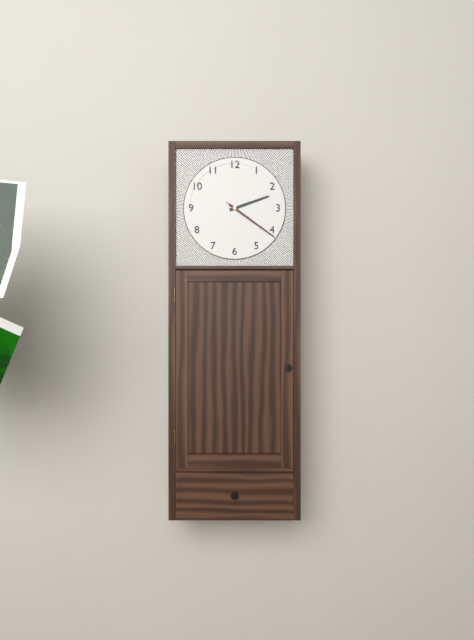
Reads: 2.21.21
